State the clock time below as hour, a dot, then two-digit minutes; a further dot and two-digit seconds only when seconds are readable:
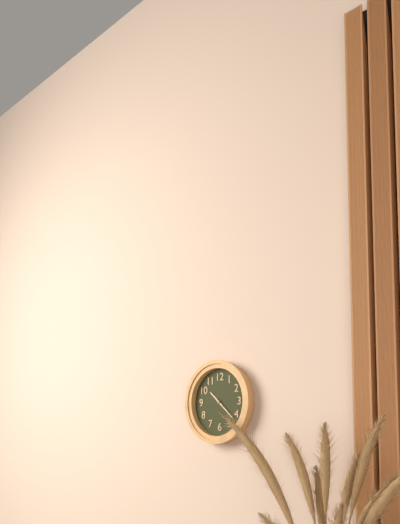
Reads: 10.22
